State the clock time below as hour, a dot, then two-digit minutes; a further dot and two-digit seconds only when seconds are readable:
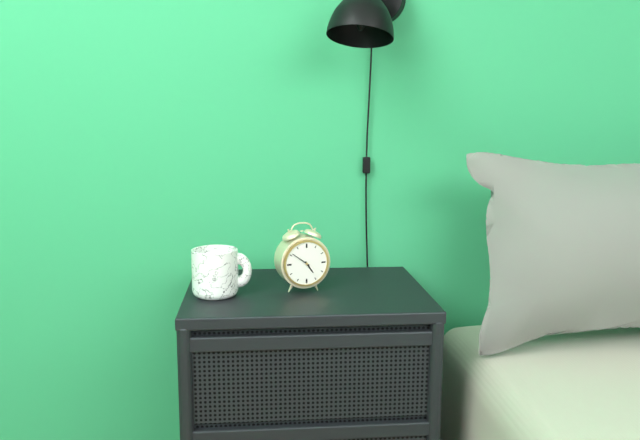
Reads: 4.51
